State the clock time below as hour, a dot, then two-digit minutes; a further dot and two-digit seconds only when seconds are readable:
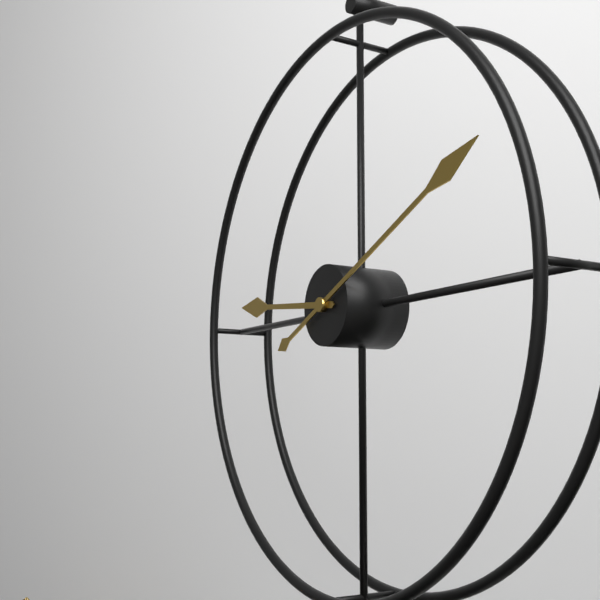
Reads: 9.11
